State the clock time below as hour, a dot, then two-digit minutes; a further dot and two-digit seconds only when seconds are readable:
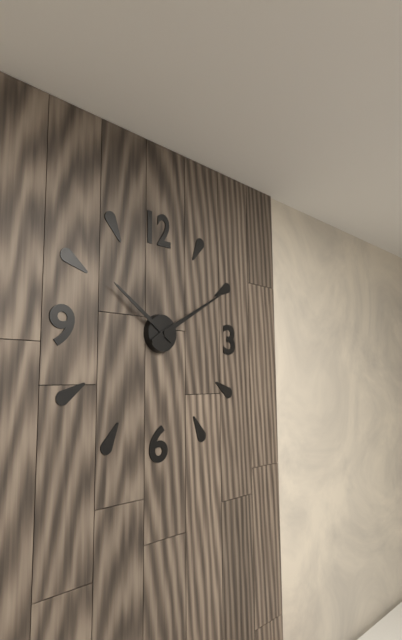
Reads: 10.10
